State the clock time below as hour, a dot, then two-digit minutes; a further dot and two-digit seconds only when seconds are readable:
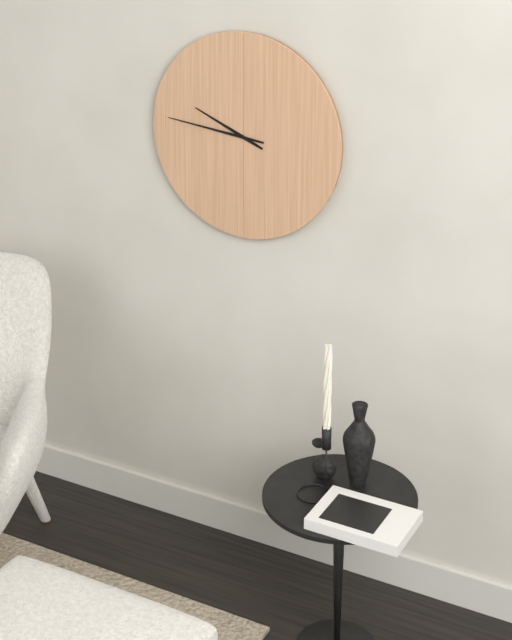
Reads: 9.46
